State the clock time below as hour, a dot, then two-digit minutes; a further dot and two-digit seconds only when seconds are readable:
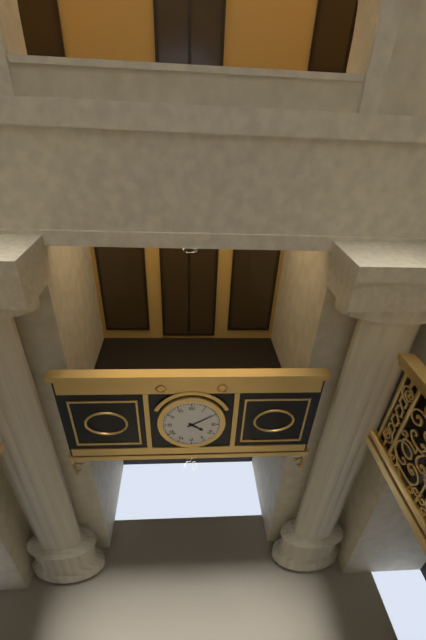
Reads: 4.10
